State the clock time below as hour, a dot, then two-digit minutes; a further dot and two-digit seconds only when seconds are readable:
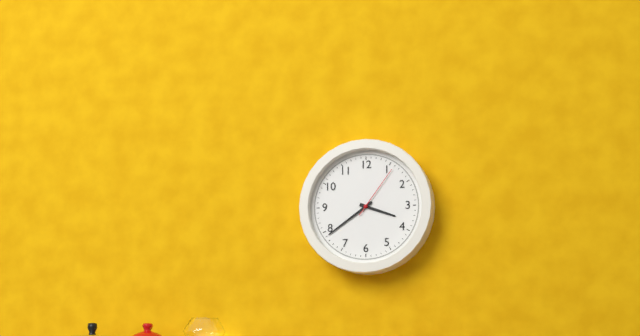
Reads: 3.39.06
